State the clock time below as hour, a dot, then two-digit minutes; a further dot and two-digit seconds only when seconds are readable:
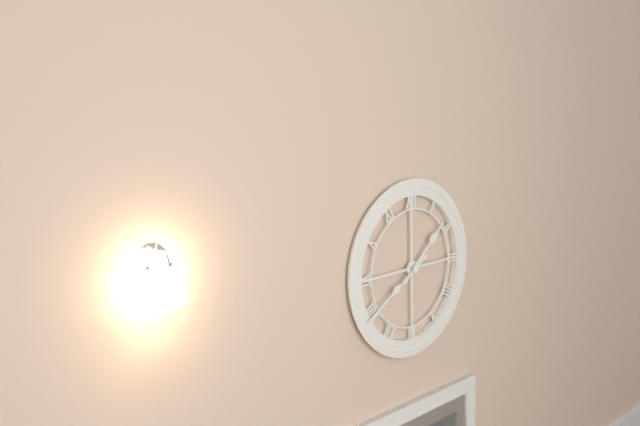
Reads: 1.40
